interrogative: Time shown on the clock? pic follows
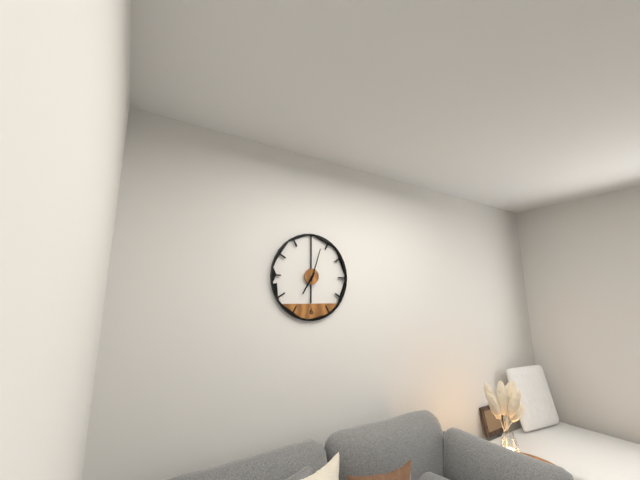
7:03
